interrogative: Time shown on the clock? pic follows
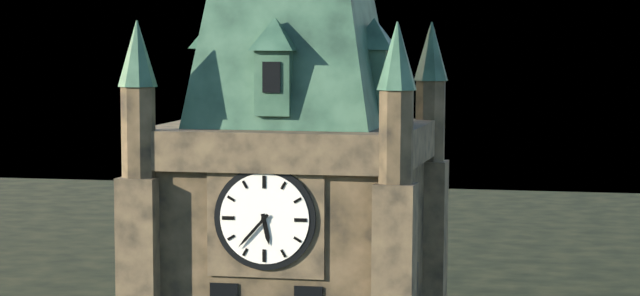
5:37
